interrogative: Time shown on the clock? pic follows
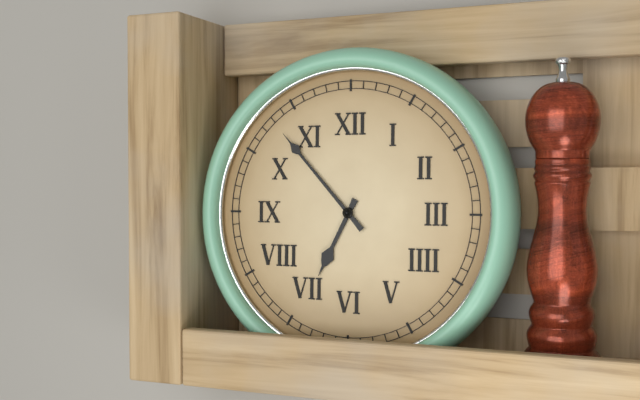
6:53
